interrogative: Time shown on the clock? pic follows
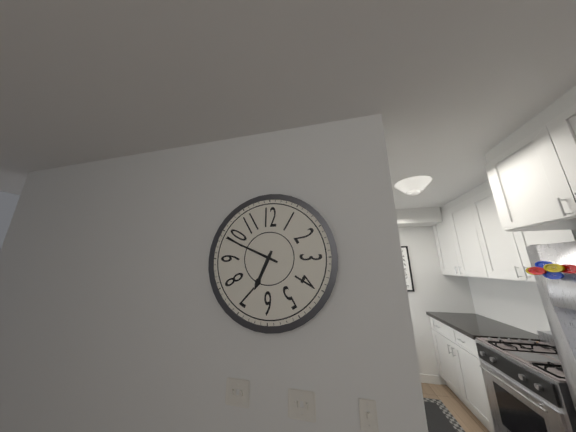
6:49
